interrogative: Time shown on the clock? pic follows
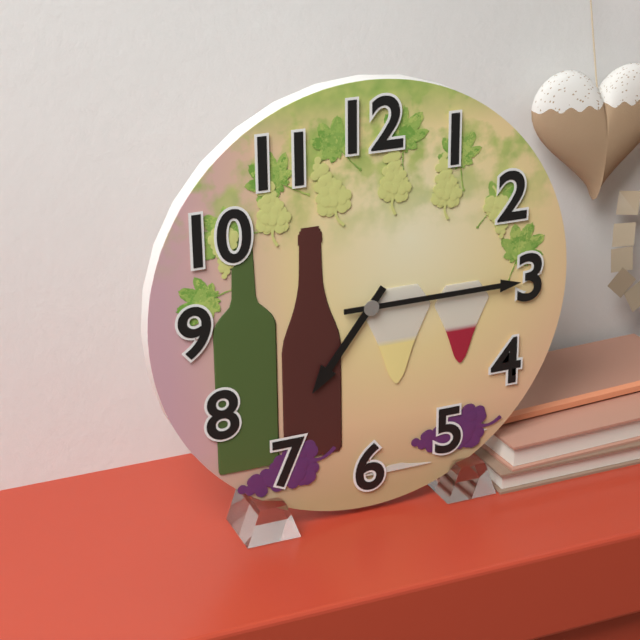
7:15
